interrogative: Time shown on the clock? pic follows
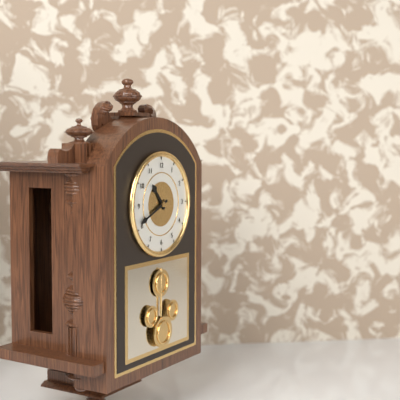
10:41
